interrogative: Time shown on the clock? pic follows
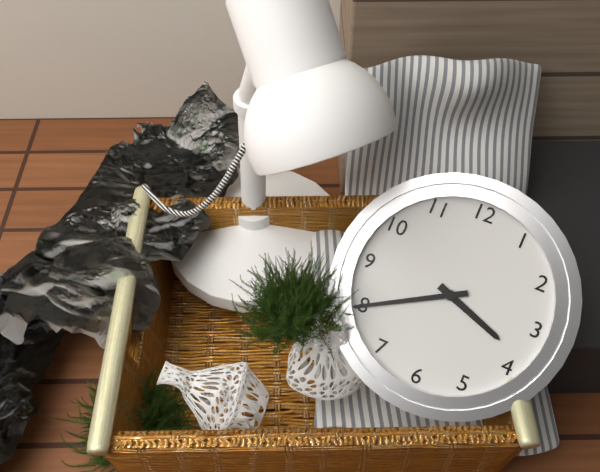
3:40
